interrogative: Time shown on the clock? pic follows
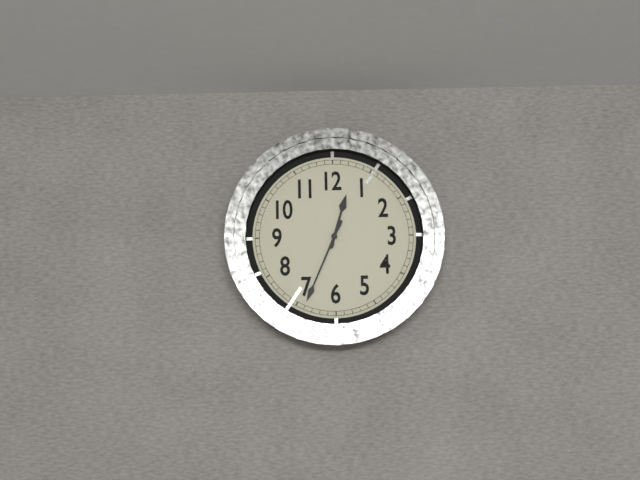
12:34
